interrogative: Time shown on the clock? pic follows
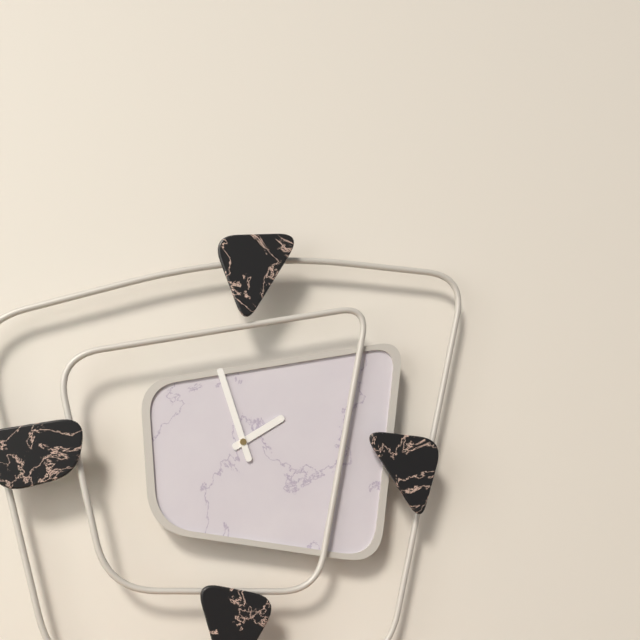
1:57
